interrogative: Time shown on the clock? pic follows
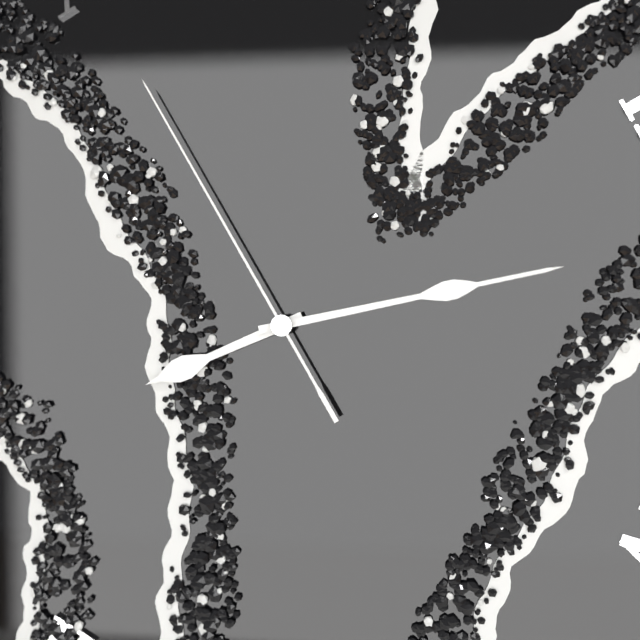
8:13:55
